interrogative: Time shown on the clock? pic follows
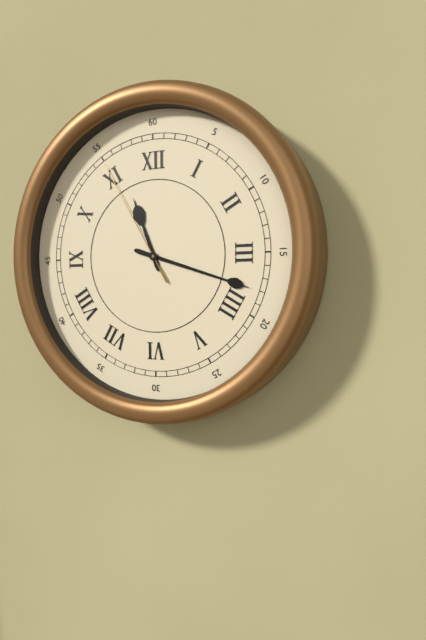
11:18:55
